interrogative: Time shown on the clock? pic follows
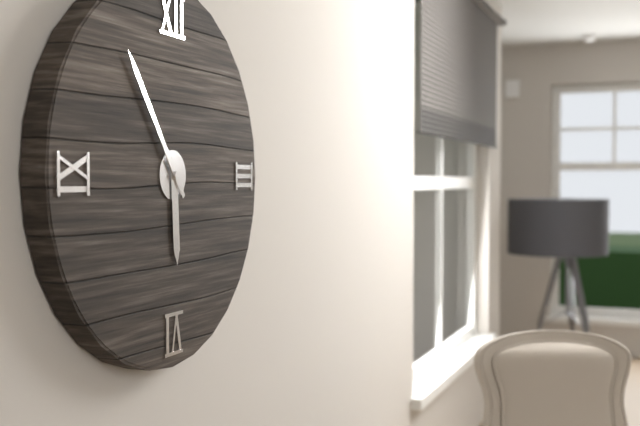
5:54
